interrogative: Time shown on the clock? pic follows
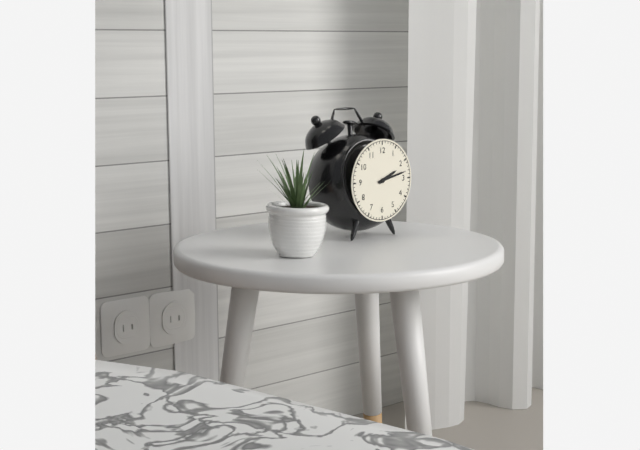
2:13
